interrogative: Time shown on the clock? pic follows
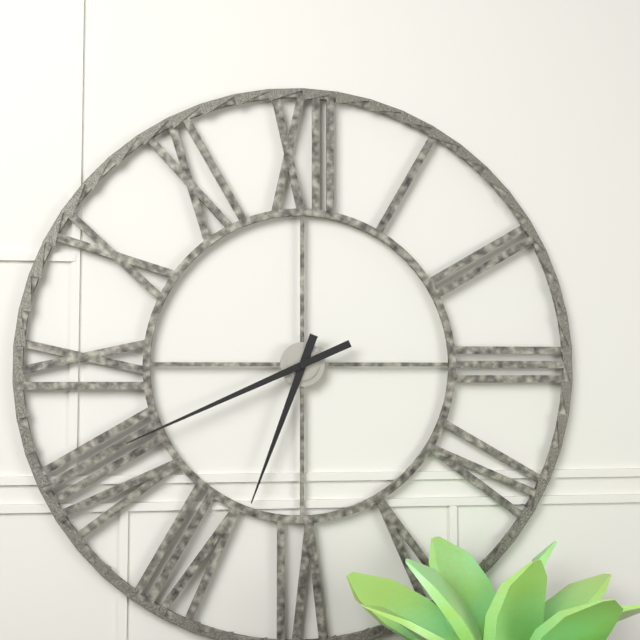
6:41
